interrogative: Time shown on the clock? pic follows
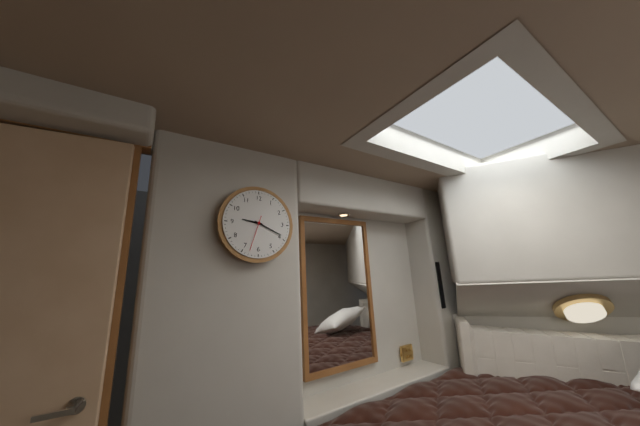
9:19
